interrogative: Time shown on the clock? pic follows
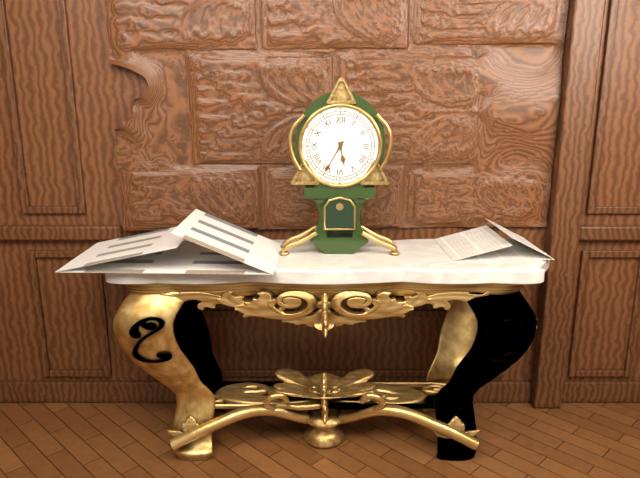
5:35
